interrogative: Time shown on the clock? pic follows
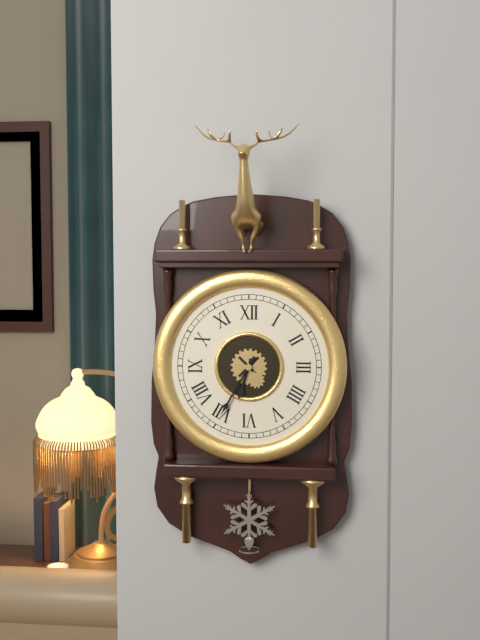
6:35
